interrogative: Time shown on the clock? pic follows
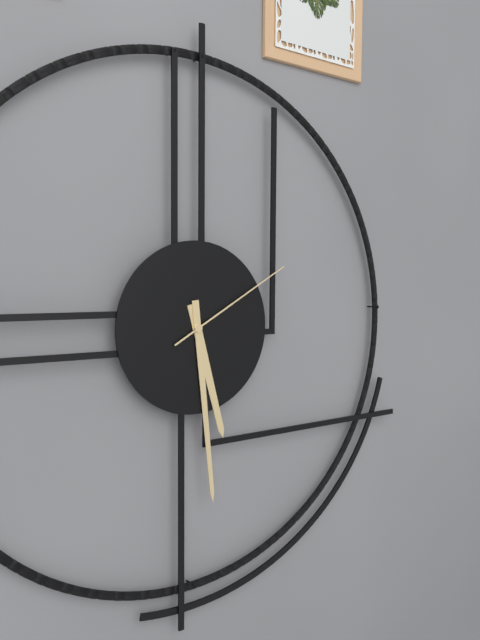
5:29:10
